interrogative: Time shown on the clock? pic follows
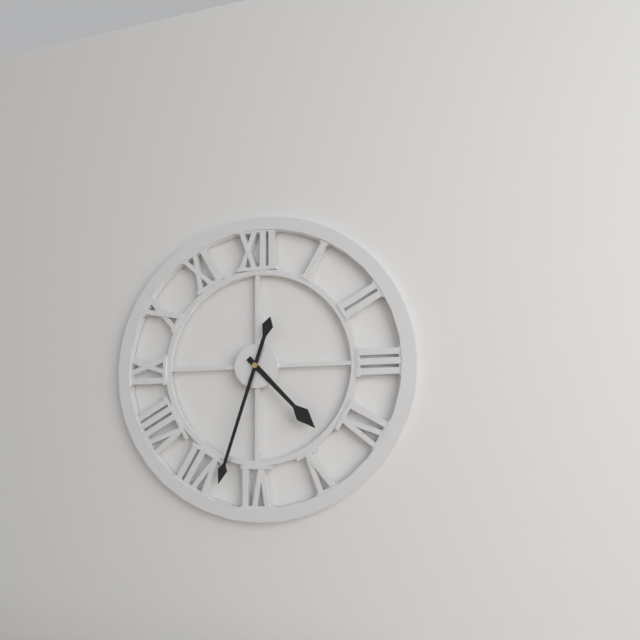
4:33
